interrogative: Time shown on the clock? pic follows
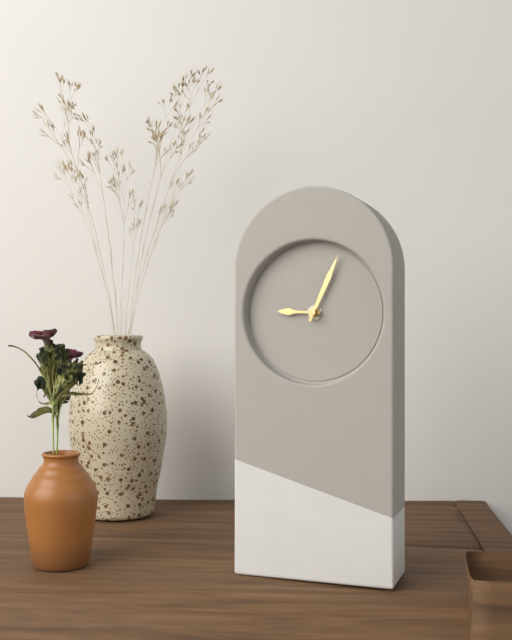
9:04
